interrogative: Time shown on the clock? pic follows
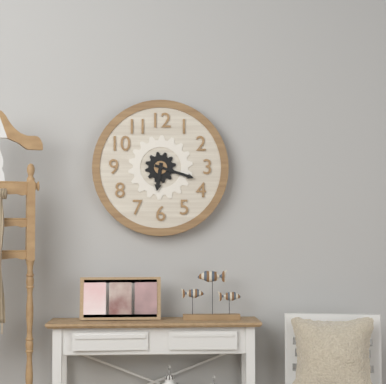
6:18
